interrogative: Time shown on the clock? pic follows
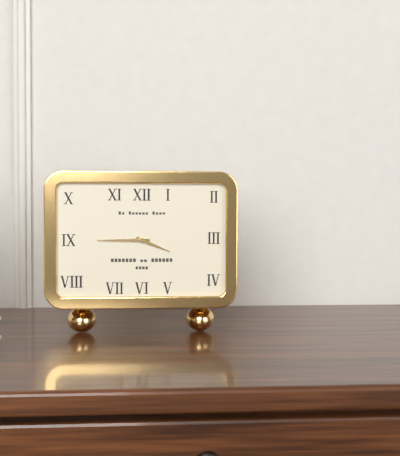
3:45
